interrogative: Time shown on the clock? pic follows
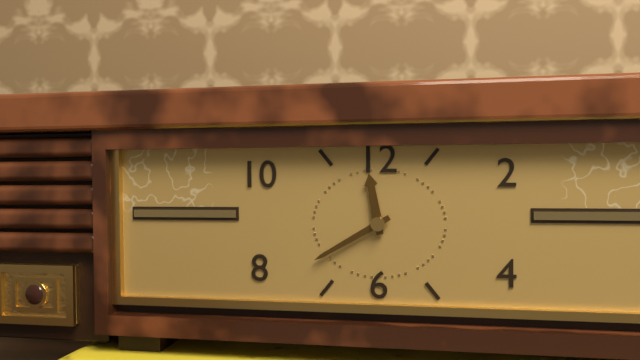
11:40
